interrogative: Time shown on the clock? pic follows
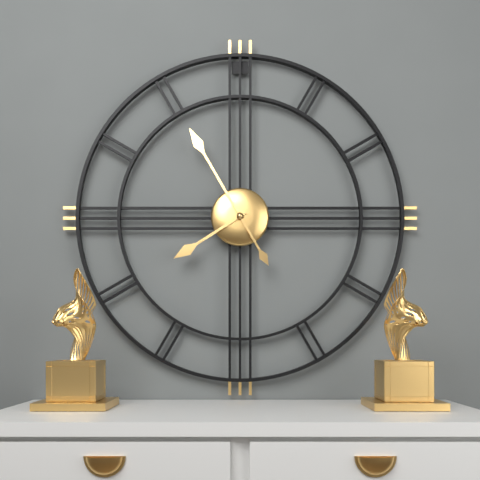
7:55
